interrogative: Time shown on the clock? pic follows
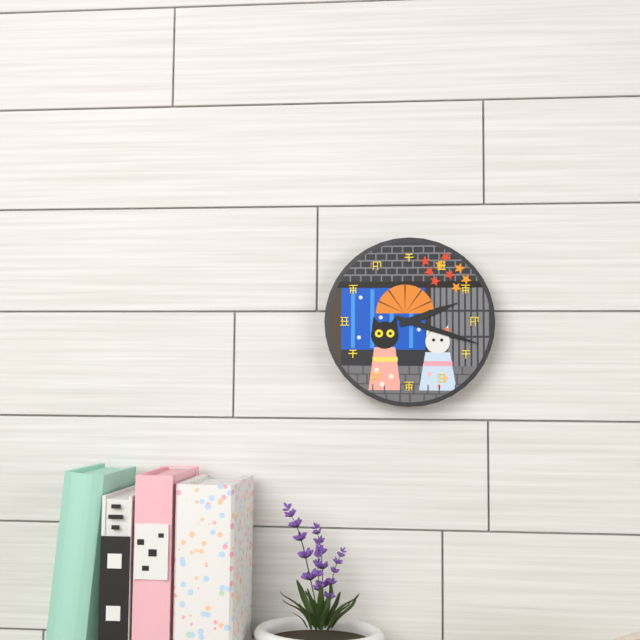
2:18
